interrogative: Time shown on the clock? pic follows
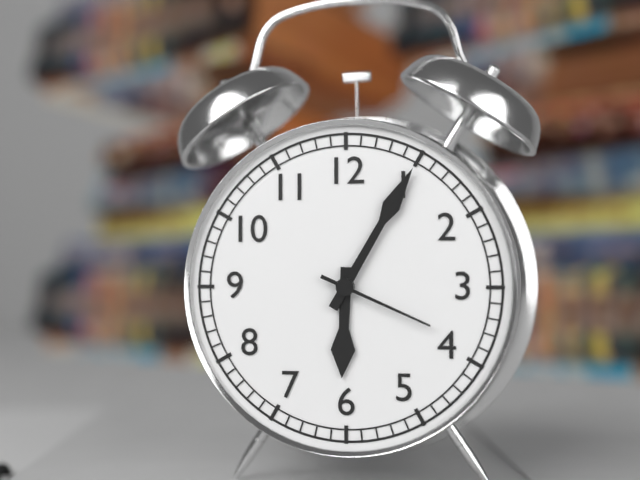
6:05:19
